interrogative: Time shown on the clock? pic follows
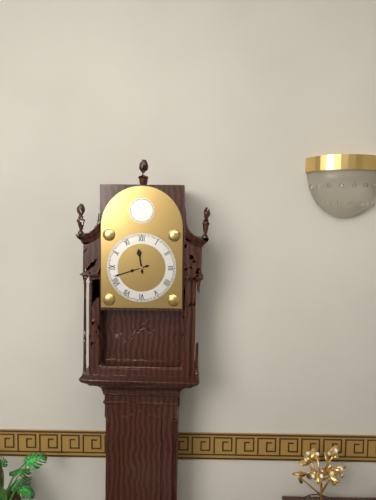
11:42
